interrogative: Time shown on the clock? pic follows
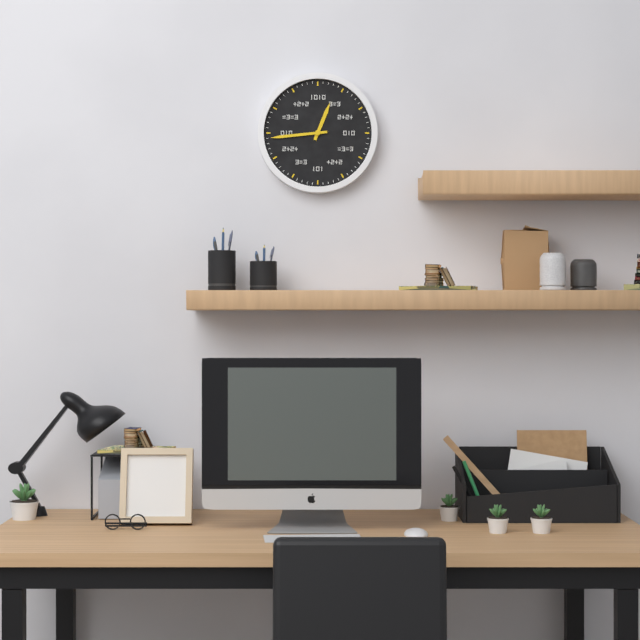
12:44
